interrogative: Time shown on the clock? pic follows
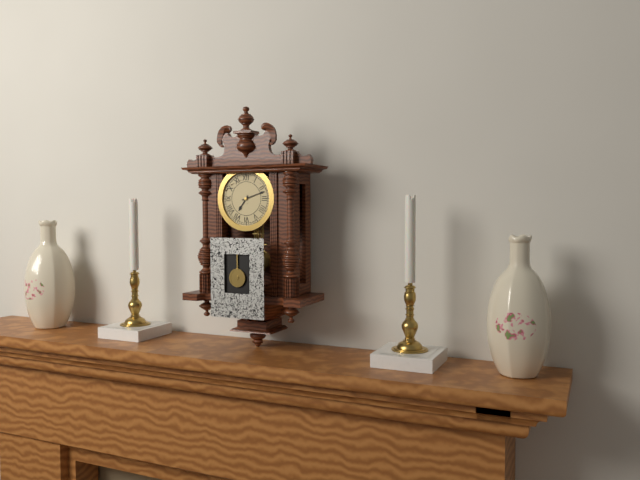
7:12
